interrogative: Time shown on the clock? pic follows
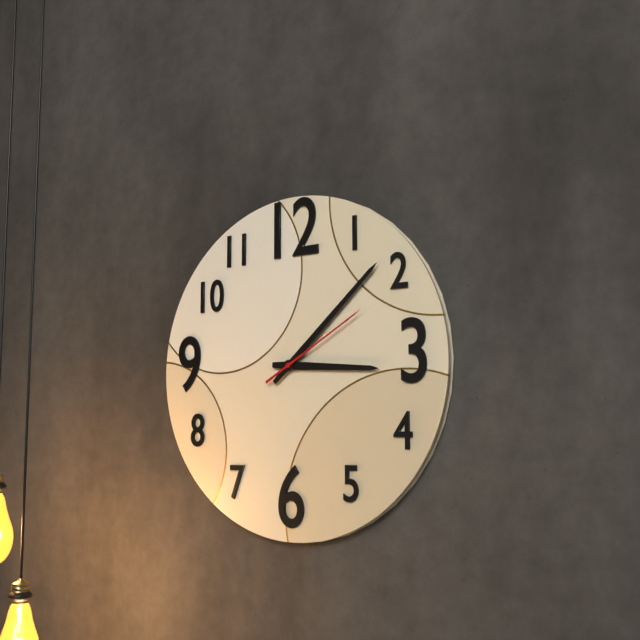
3:08:10
